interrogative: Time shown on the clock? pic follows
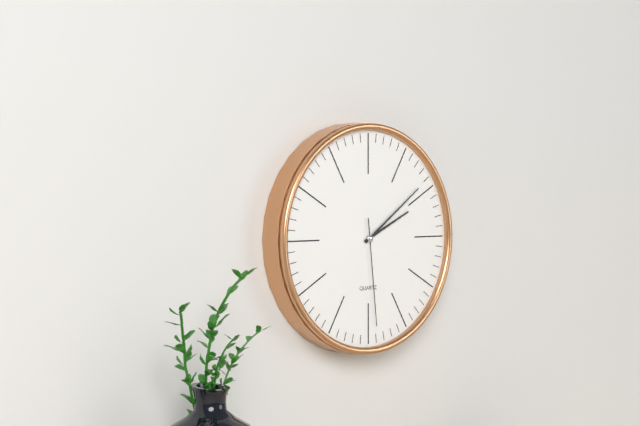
2:09:29
